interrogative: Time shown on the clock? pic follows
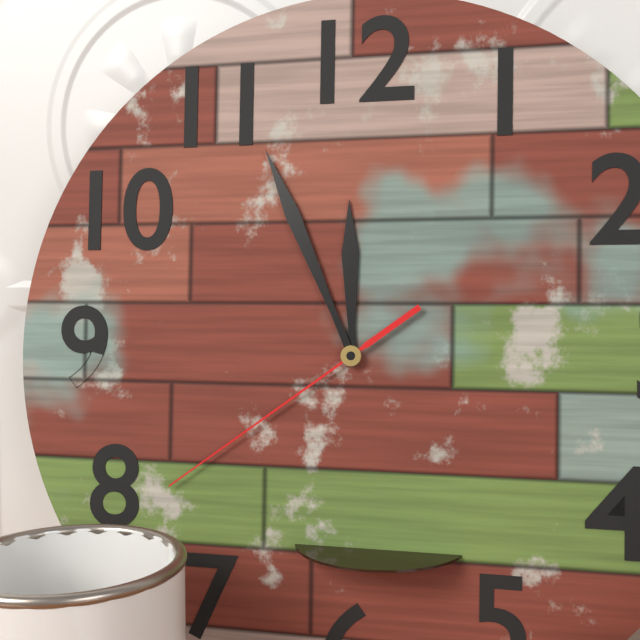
11:56:39
